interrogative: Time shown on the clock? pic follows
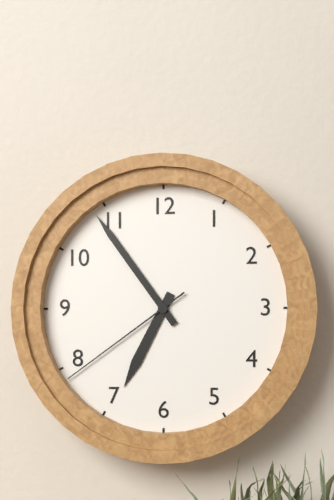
6:54:39
